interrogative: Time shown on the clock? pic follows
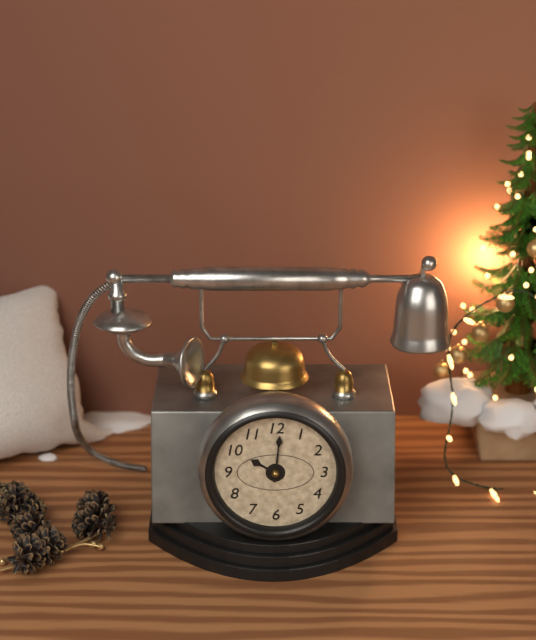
10:01
